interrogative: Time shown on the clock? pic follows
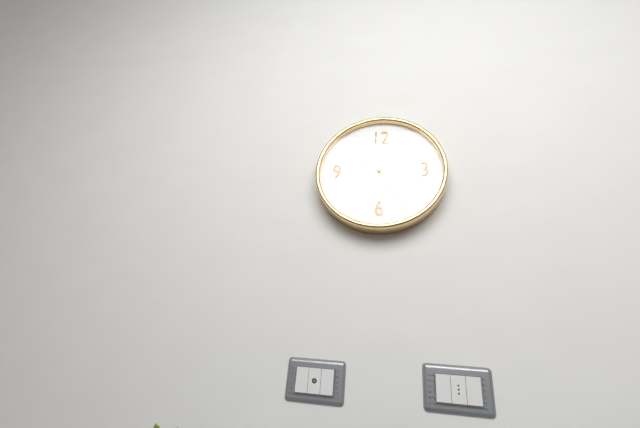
10:25
